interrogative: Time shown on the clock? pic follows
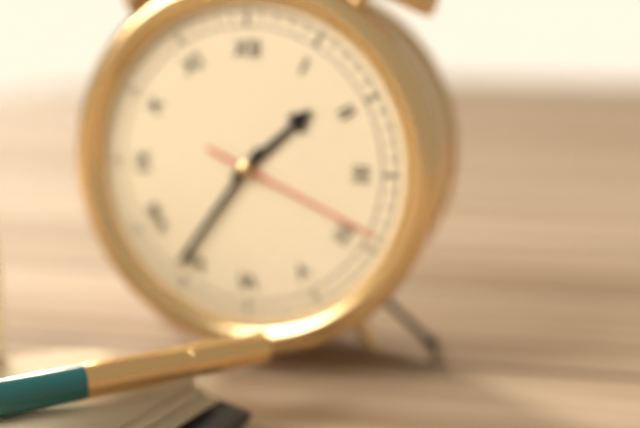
1:36:19
